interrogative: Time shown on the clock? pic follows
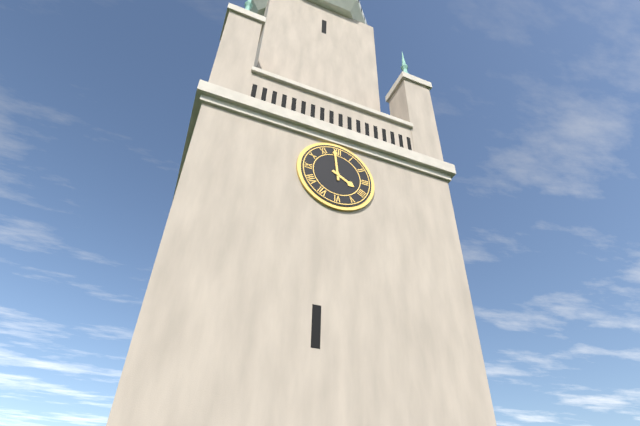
3:59
